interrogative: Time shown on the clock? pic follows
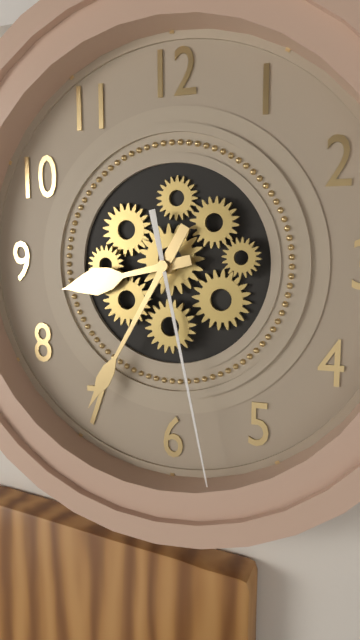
8:35:28
